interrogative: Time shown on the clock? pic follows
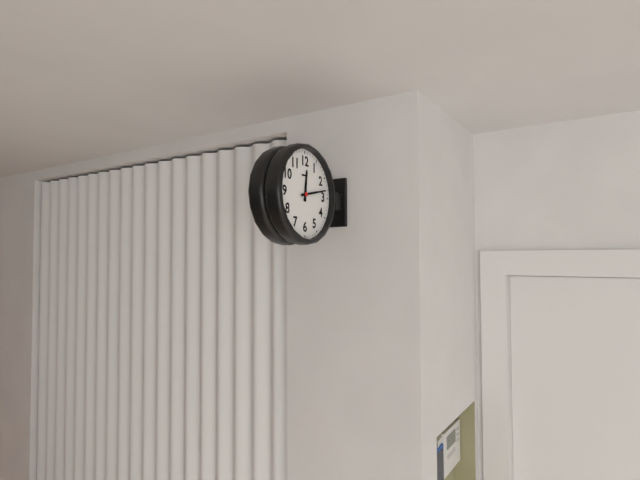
12:13
